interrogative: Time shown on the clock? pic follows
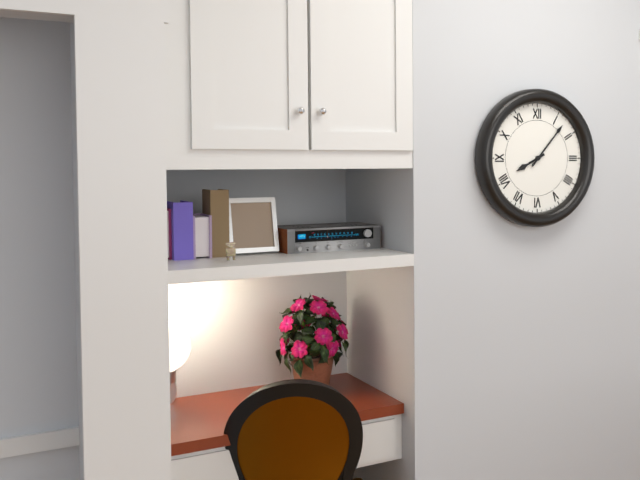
8:07
